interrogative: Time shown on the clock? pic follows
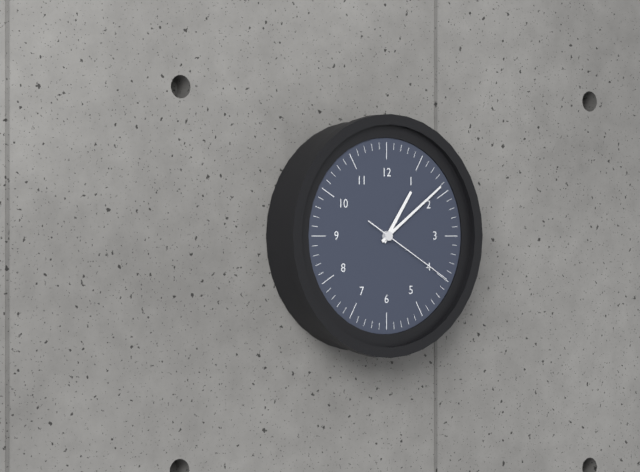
1:09:20
